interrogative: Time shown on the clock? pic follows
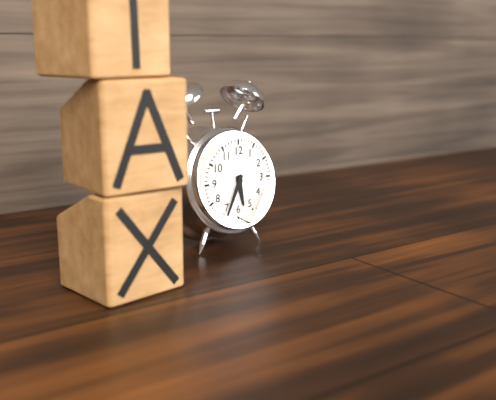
5:34
